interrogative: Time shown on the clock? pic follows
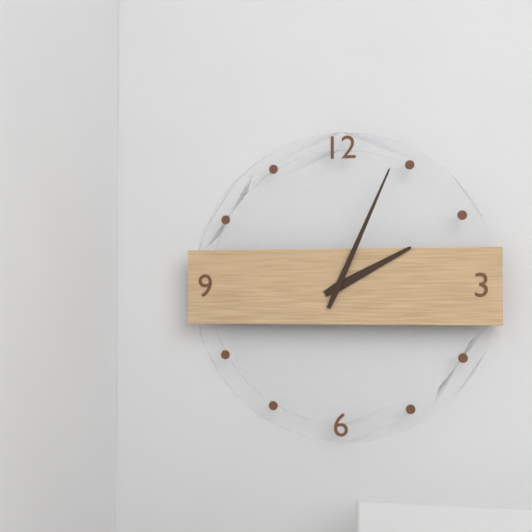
2:04
